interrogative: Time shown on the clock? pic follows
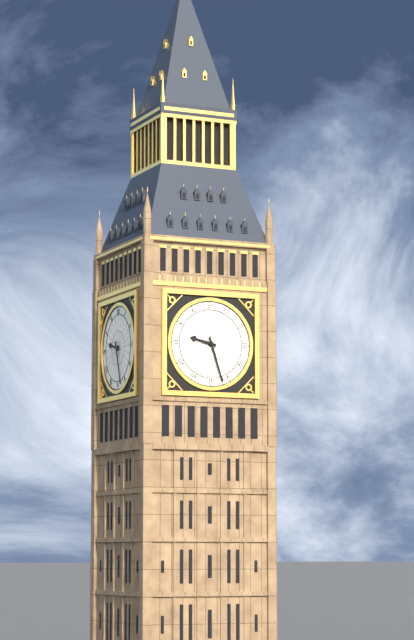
9:27
